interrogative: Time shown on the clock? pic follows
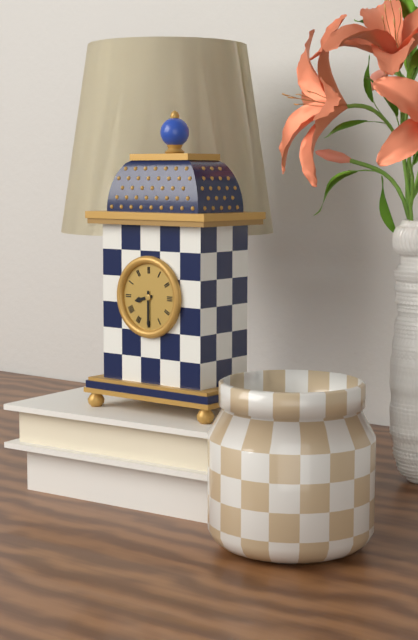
8:30
